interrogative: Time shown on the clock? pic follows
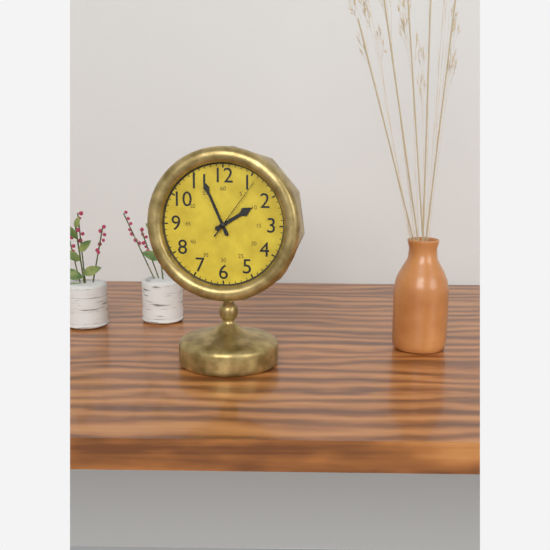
1:56:06
